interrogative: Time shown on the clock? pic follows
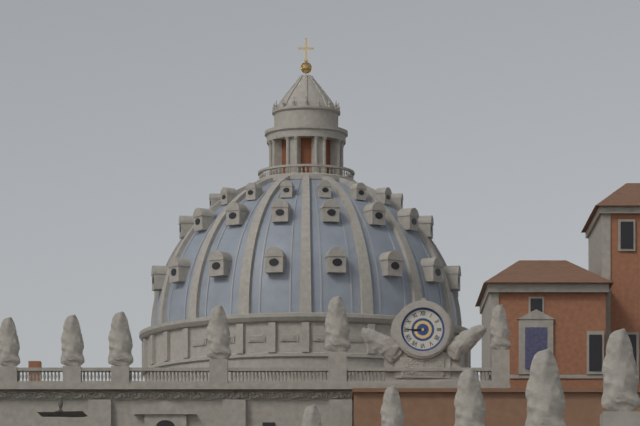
8:45
